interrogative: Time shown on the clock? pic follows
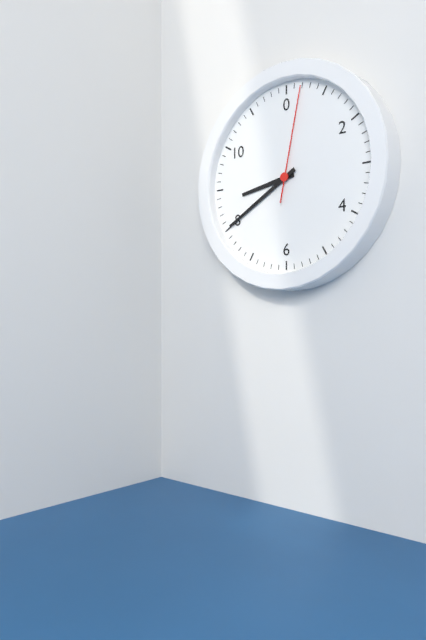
8:40:02
